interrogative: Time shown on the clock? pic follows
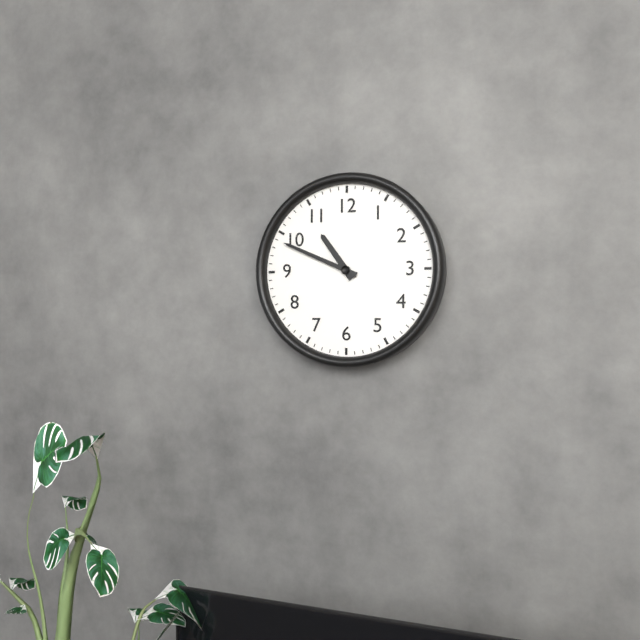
10:49
